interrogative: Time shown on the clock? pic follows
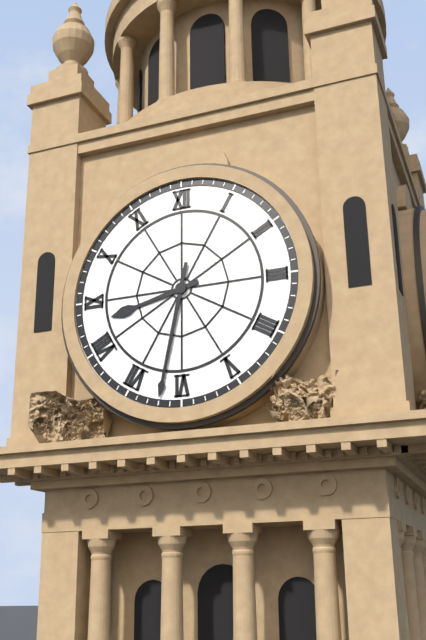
8:32
